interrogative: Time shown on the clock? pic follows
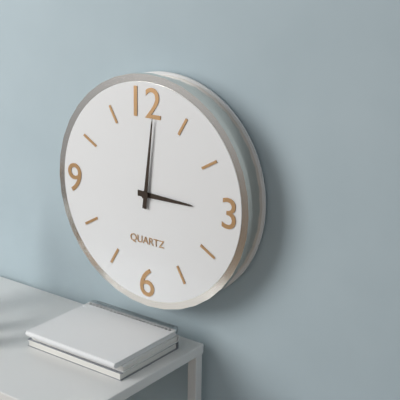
3:01
